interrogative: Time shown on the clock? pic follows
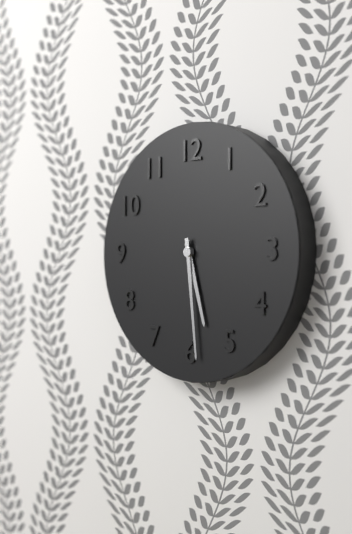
5:29
